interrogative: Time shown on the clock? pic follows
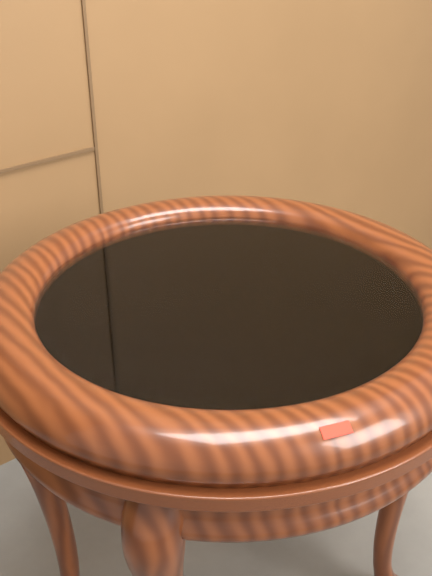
3:15
